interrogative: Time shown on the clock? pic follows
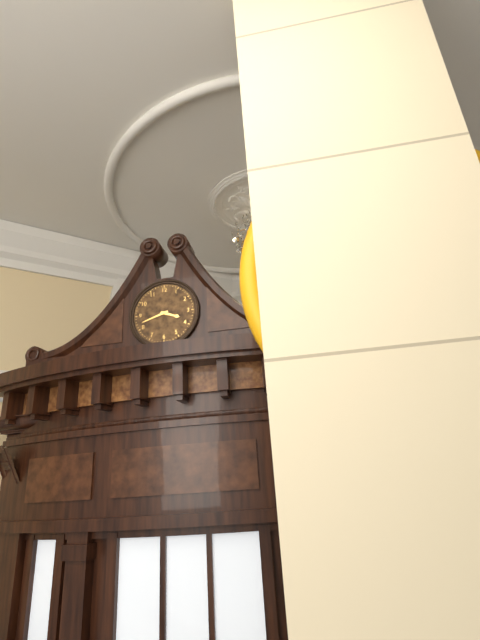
3:42
